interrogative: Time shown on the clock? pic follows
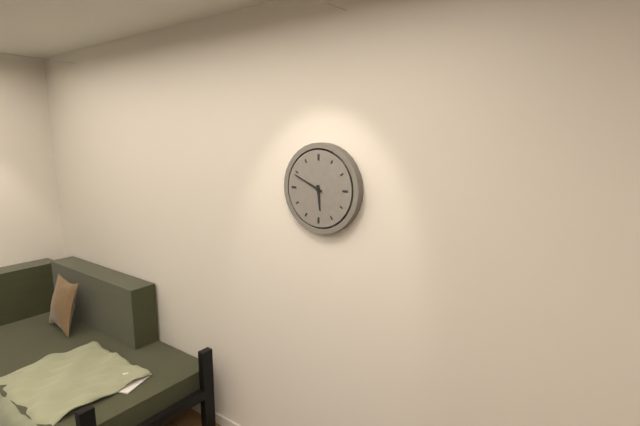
5:49
